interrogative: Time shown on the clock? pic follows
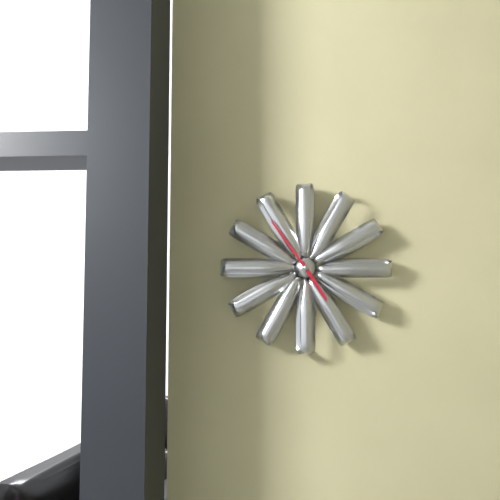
4:54
